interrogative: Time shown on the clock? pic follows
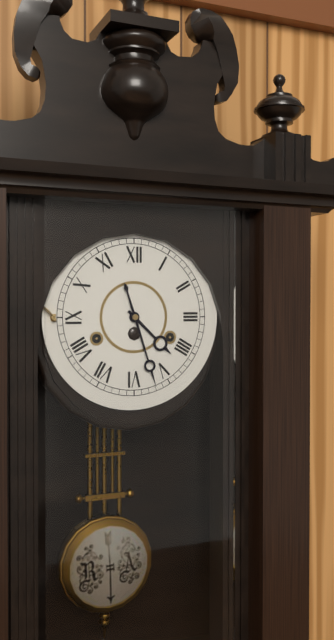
4:27
